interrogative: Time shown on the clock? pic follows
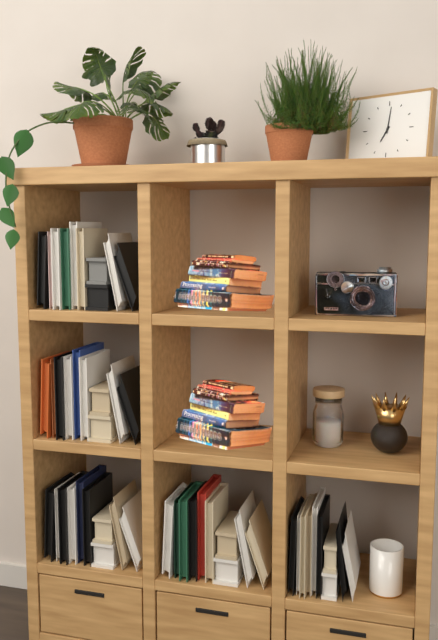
7:01
